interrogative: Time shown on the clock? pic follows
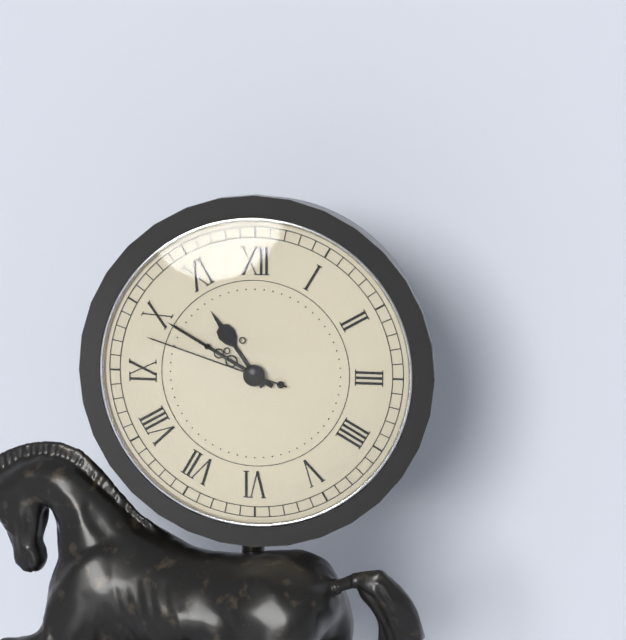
10:50:48
